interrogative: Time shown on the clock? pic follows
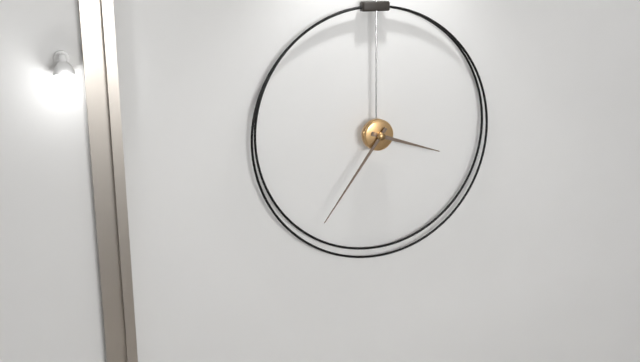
3:36
